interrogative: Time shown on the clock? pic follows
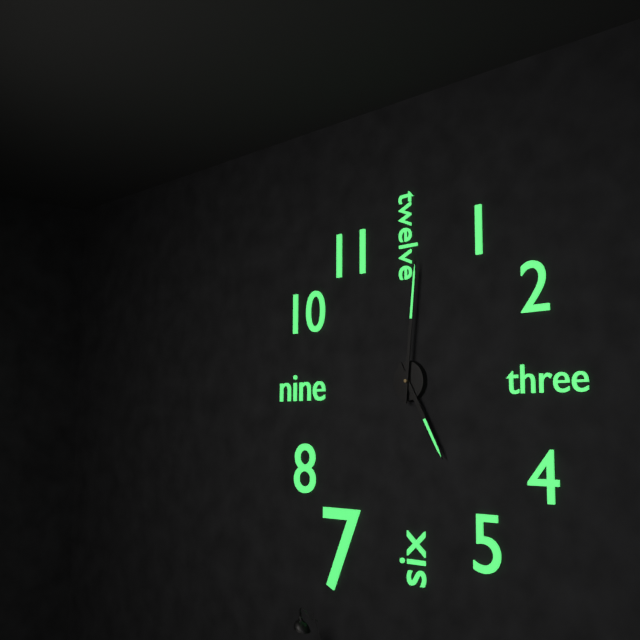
5:01
